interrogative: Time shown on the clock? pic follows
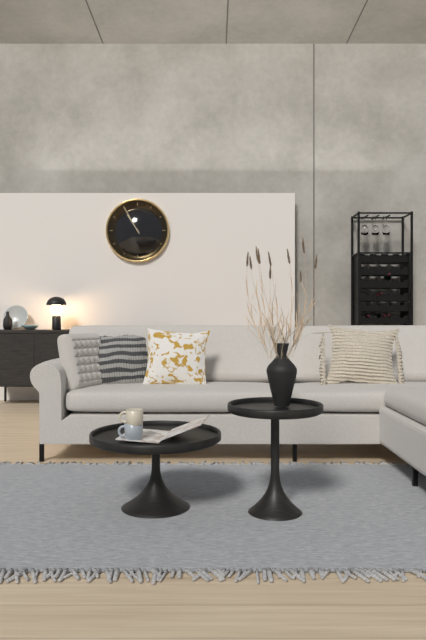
10:55
